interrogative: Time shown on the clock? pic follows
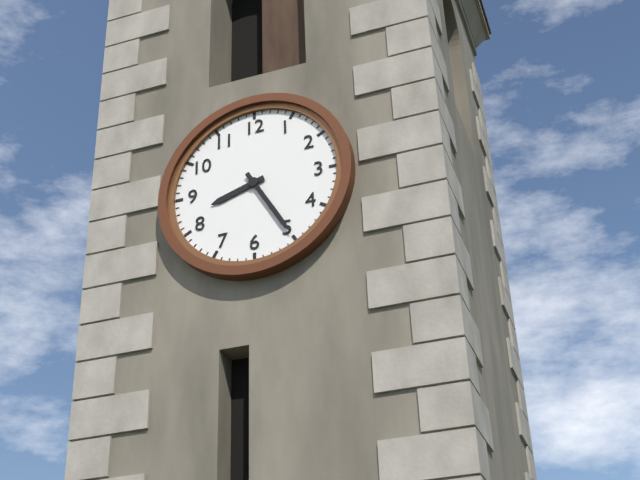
8:25
